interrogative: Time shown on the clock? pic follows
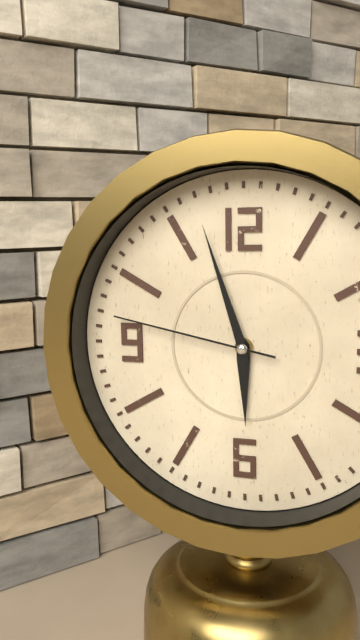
5:57:47
